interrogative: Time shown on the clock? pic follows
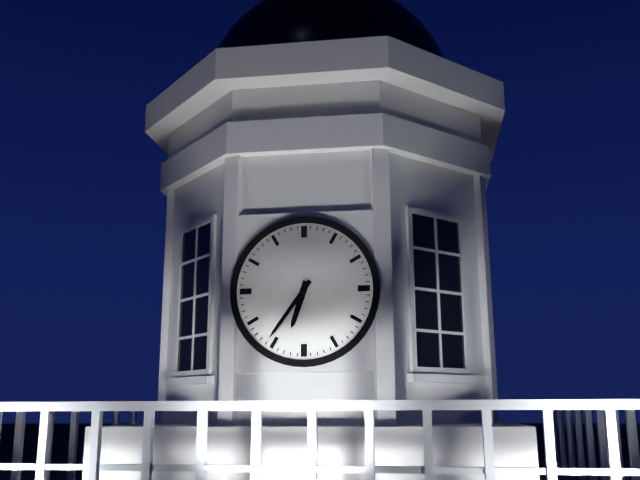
6:36
